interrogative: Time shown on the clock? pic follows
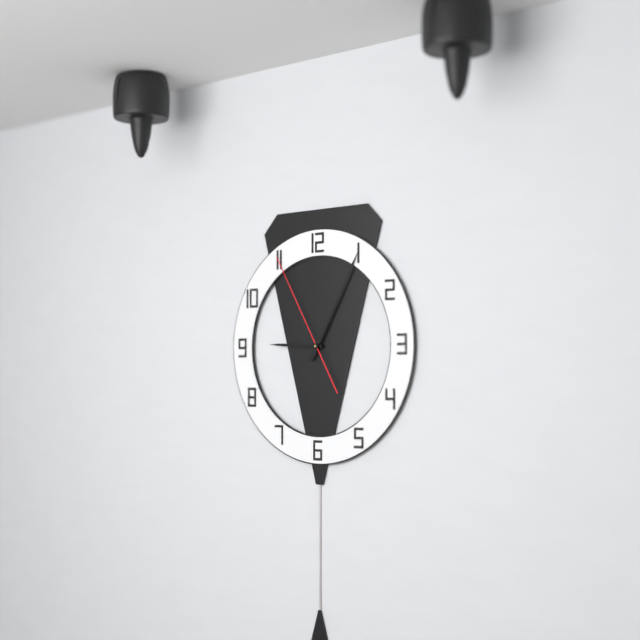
9:05:55
